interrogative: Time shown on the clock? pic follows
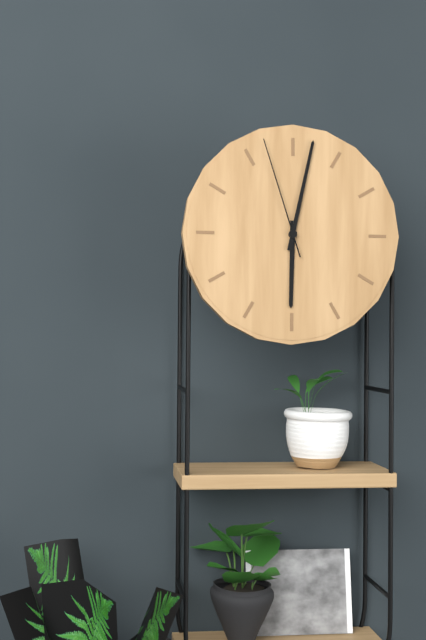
6:02:57
